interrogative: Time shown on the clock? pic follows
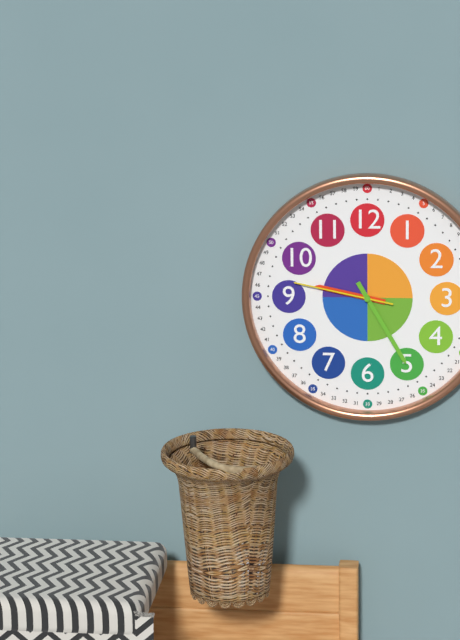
9:25:47
